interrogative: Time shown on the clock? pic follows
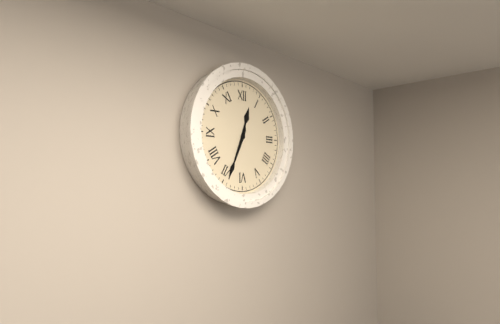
12:34
